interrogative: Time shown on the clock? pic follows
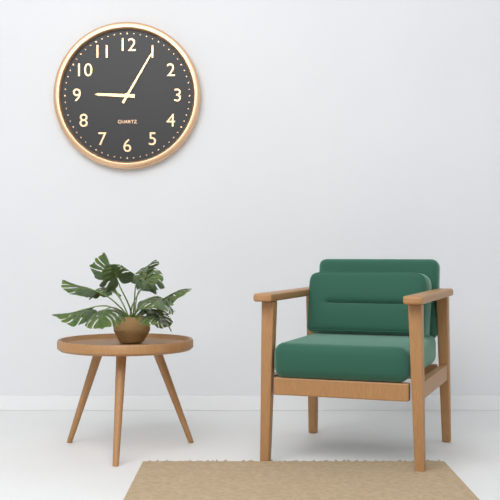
9:05
